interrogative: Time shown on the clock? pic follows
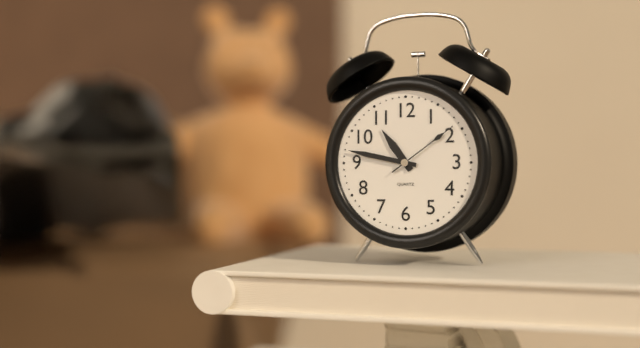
10:47:09
